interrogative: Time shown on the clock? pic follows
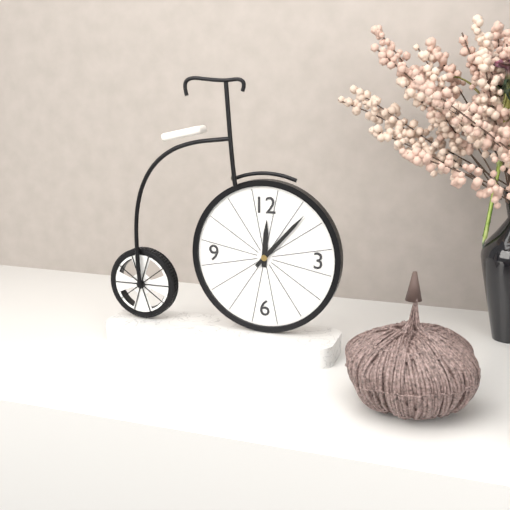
12:07
